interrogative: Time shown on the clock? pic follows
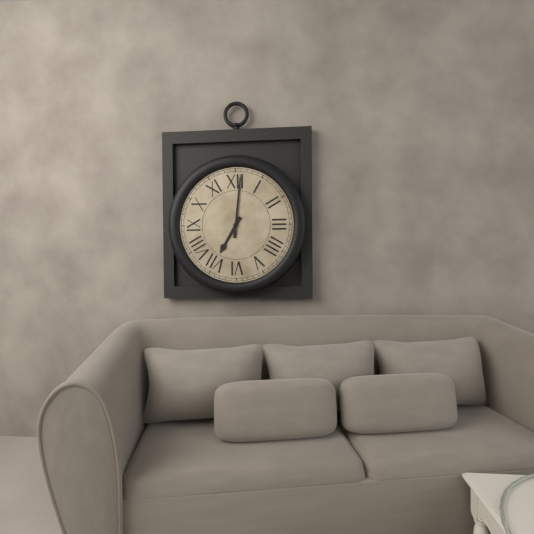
7:01
